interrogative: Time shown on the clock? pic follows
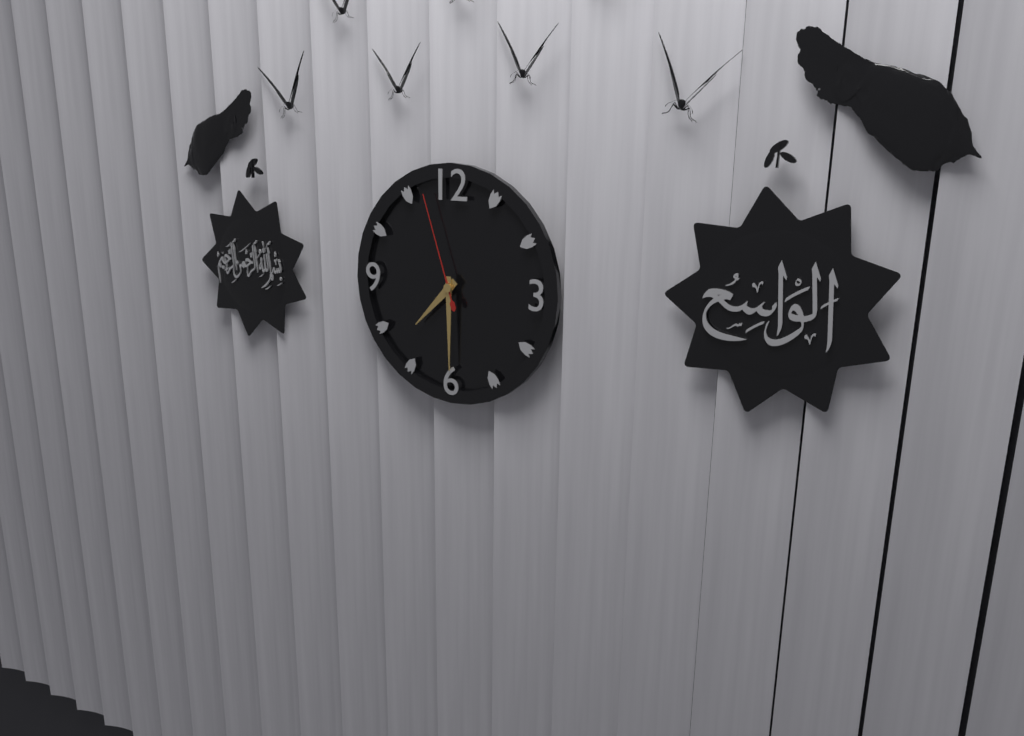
7:30:57
